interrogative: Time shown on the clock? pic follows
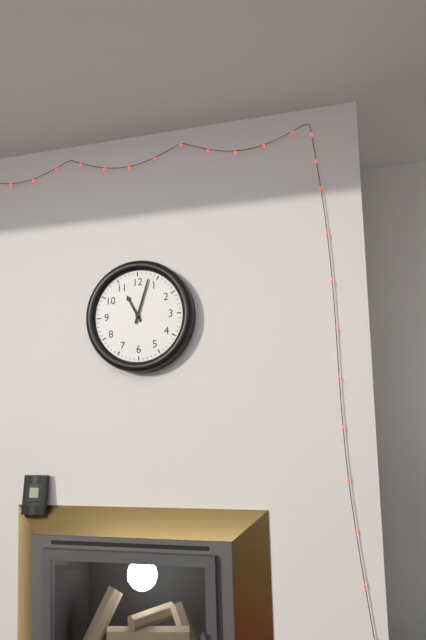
11:03
